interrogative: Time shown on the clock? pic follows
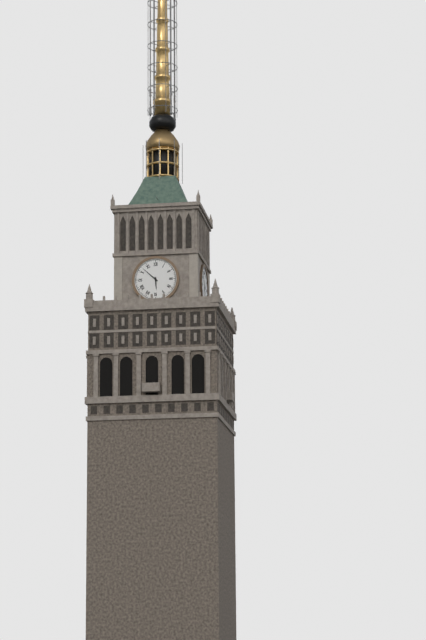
5:52
